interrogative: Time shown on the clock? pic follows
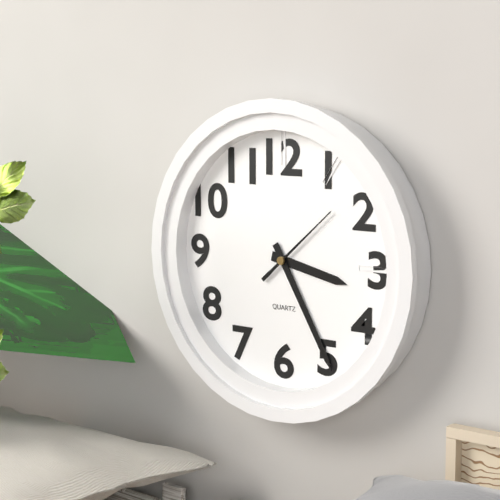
3:25:08
